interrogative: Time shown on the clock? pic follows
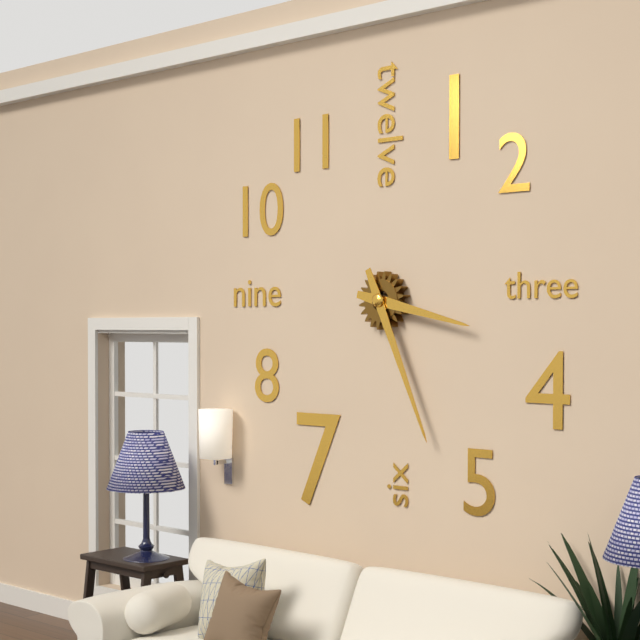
3:26
